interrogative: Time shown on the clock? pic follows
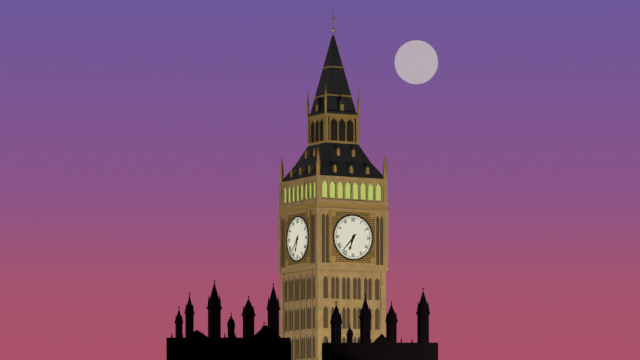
6:37
